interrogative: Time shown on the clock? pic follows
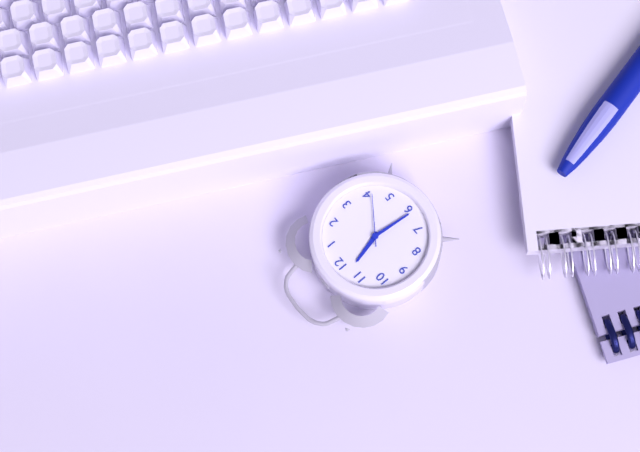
11:31:21
